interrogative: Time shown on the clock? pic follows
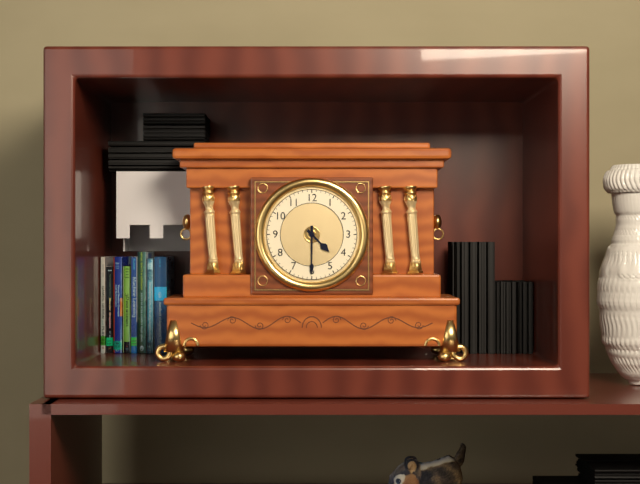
4:30
